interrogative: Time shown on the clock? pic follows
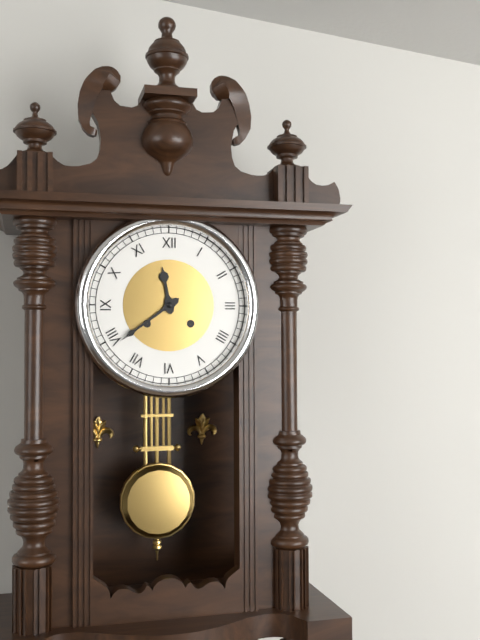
11:39
